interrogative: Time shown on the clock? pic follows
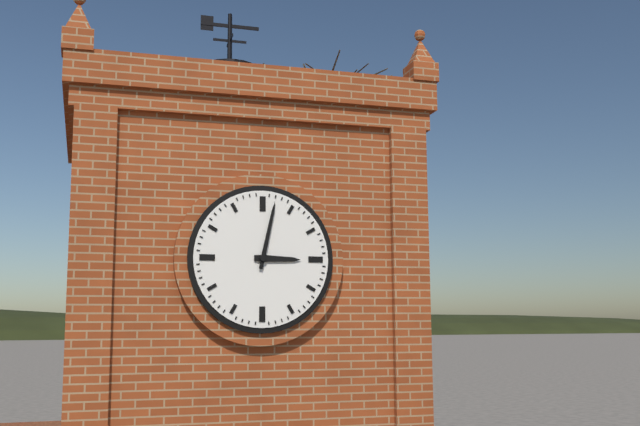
3:02
